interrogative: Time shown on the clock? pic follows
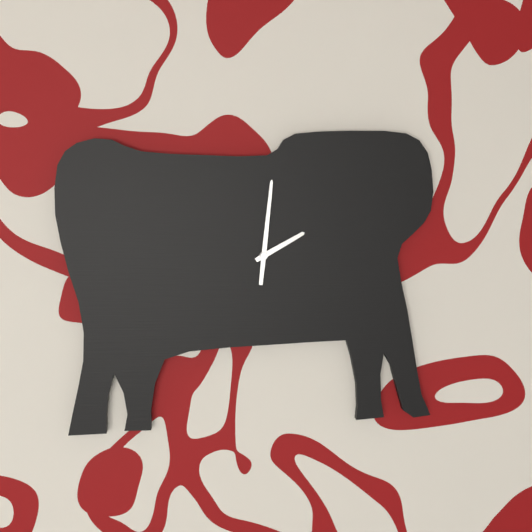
2:01
